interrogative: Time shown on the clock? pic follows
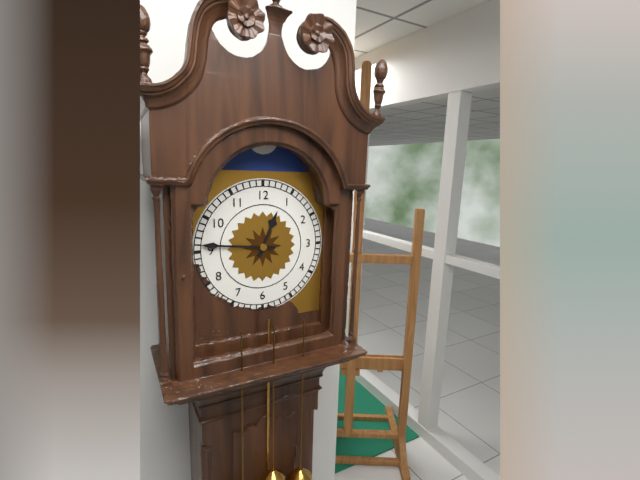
12:46
